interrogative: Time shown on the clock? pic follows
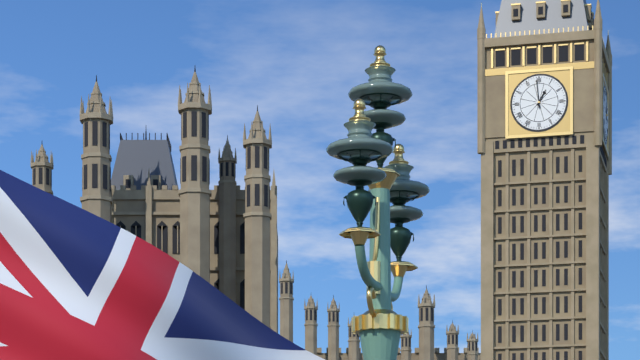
12:59
